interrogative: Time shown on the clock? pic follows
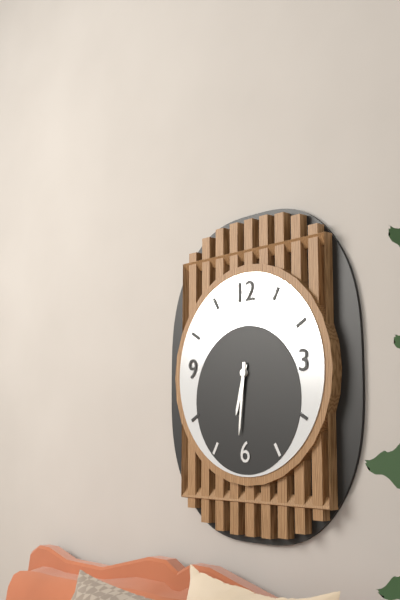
6:31
